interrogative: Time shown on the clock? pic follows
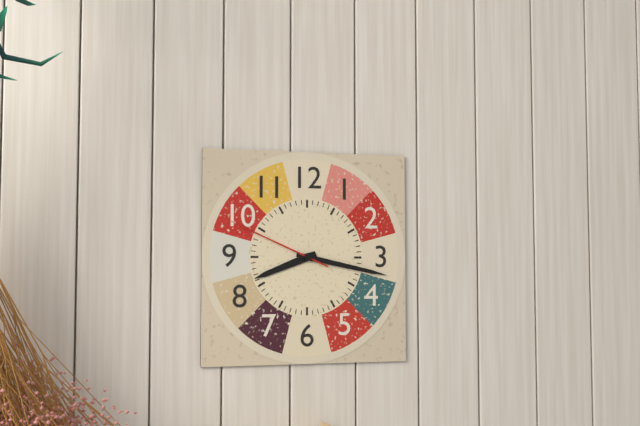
8:17:49
